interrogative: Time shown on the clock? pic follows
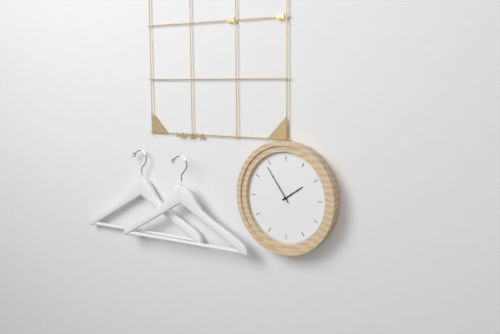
1:54
